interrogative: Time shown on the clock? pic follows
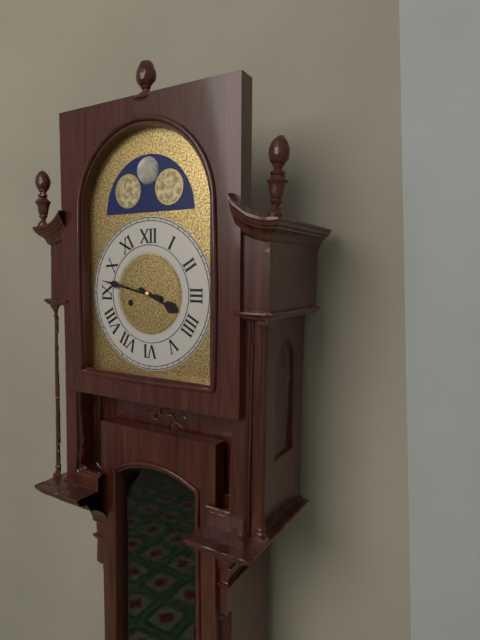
3:47
